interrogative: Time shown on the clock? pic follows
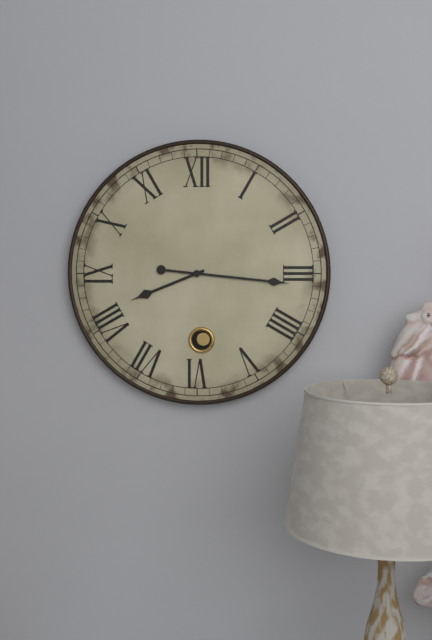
8:16
